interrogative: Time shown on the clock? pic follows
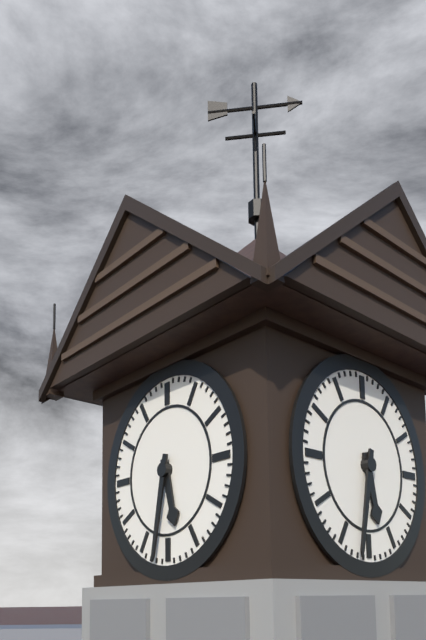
5:32
